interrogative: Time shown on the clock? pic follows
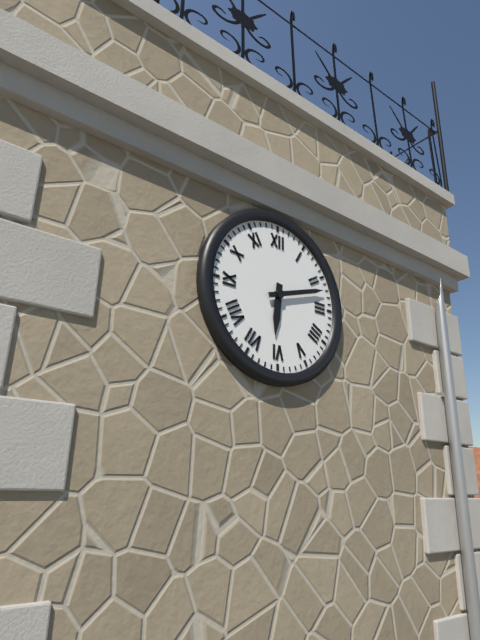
6:12
